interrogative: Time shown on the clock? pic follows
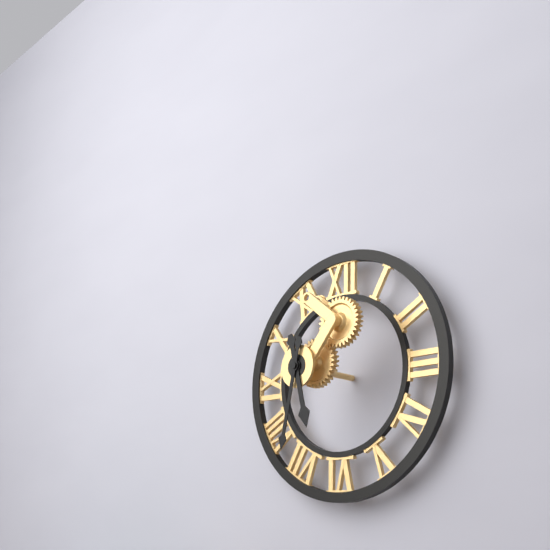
5:32
